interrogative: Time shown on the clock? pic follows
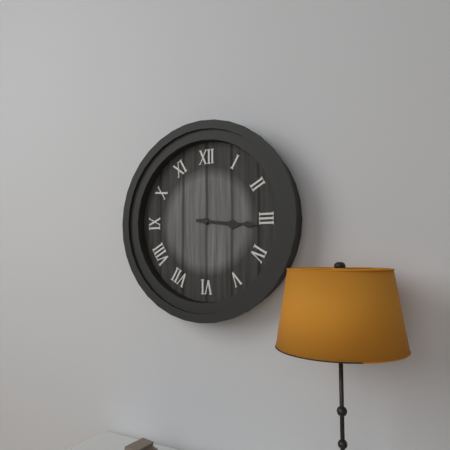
3:16
